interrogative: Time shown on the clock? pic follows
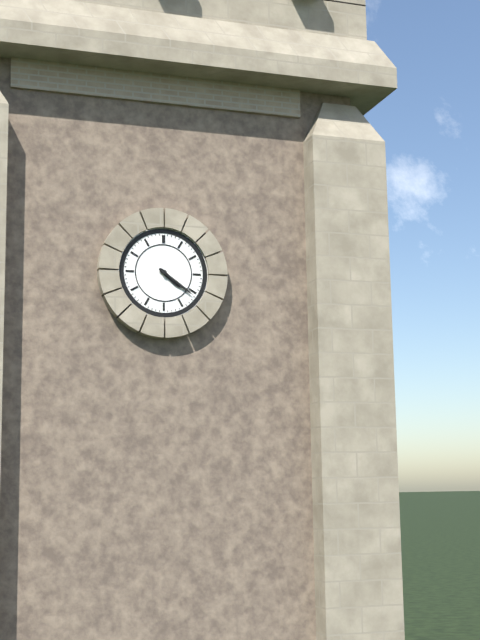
4:21
